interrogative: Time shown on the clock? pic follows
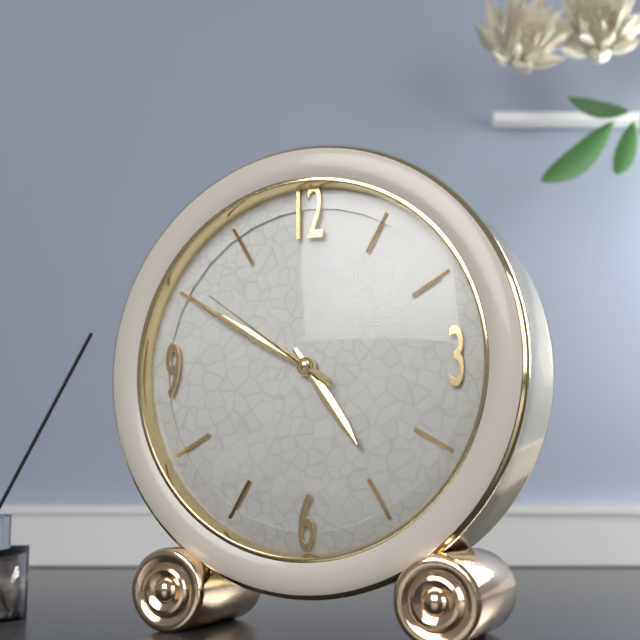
4:50:51
